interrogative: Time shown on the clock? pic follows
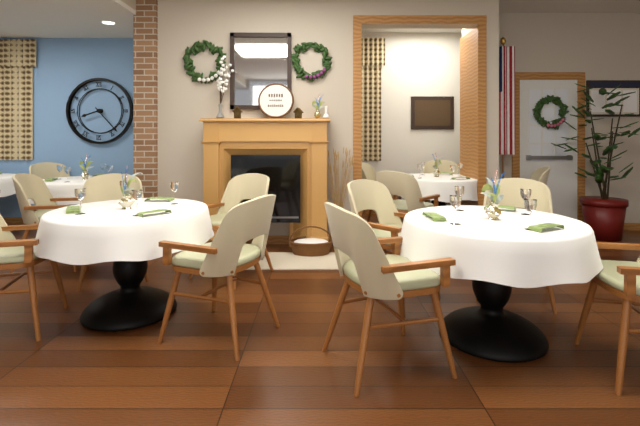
8:23
